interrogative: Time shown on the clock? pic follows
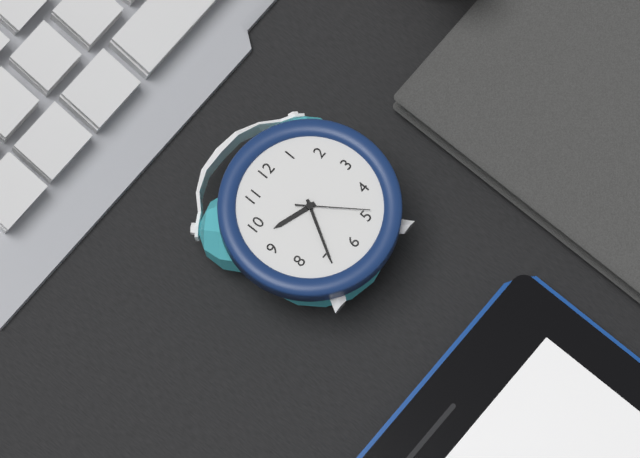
9:35:24
